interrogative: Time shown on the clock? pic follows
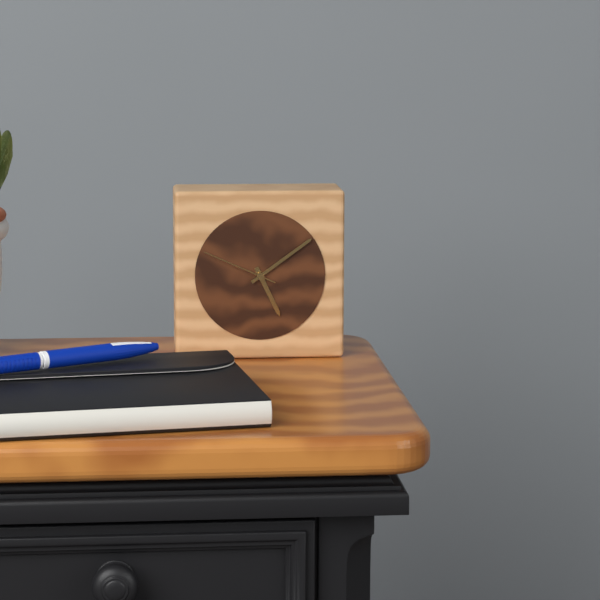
5:09:49
